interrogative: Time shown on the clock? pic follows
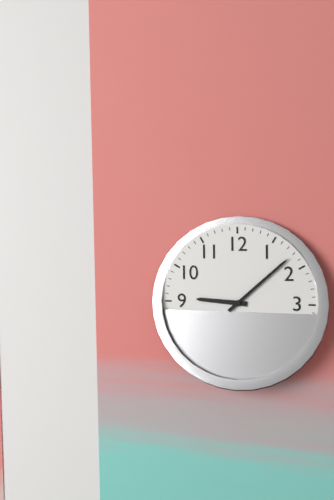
9:08
